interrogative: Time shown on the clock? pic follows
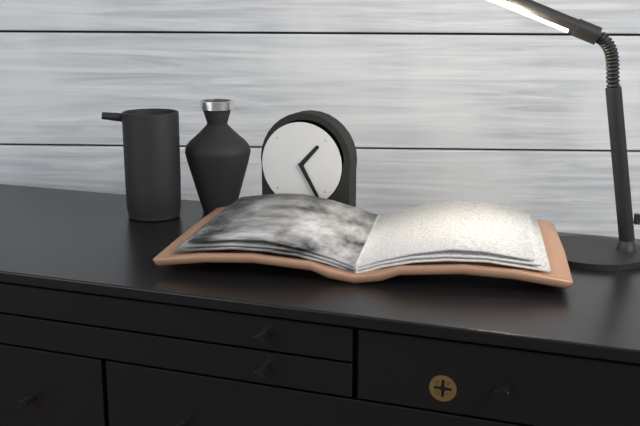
1:25
